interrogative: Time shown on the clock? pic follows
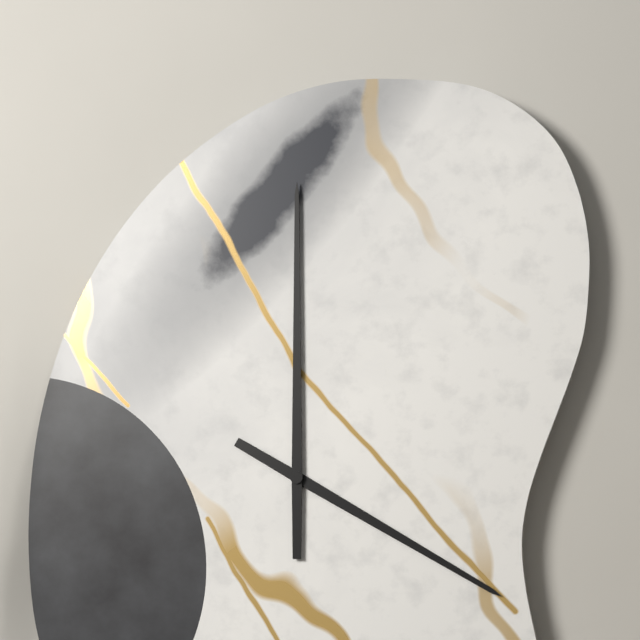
4:00
